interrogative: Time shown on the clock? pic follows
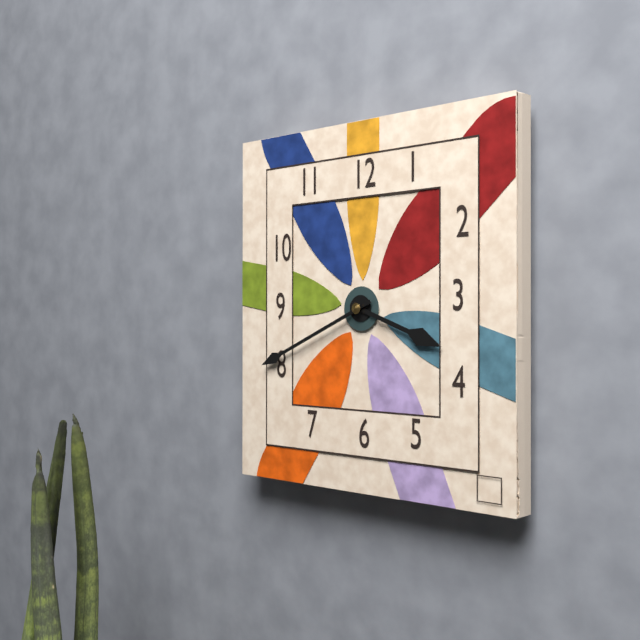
3:41
